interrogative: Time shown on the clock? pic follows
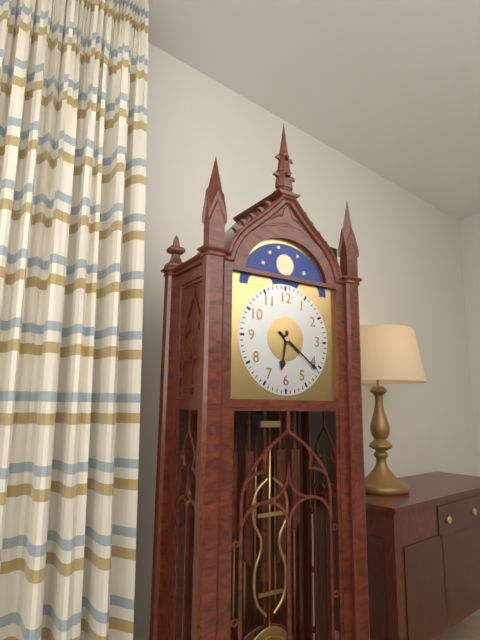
6:21
